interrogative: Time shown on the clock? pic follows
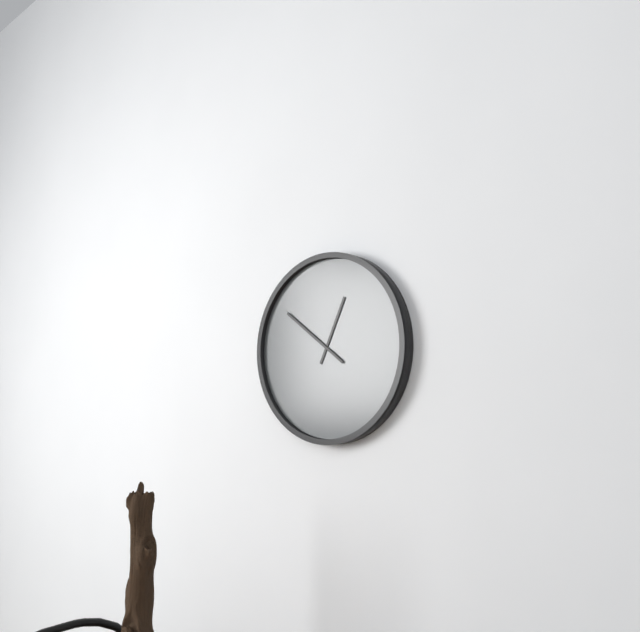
12:51
